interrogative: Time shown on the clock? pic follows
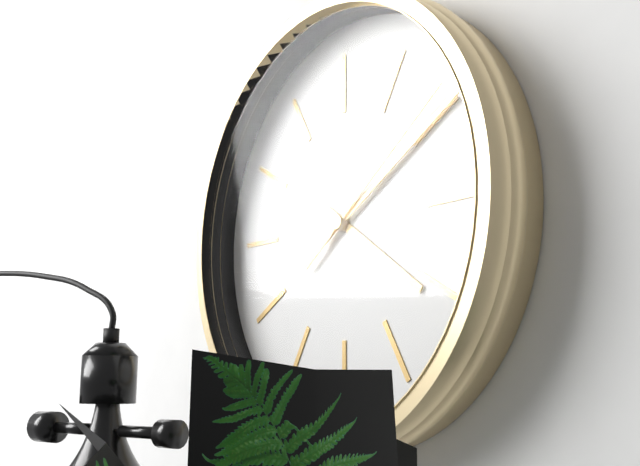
4:10:09
